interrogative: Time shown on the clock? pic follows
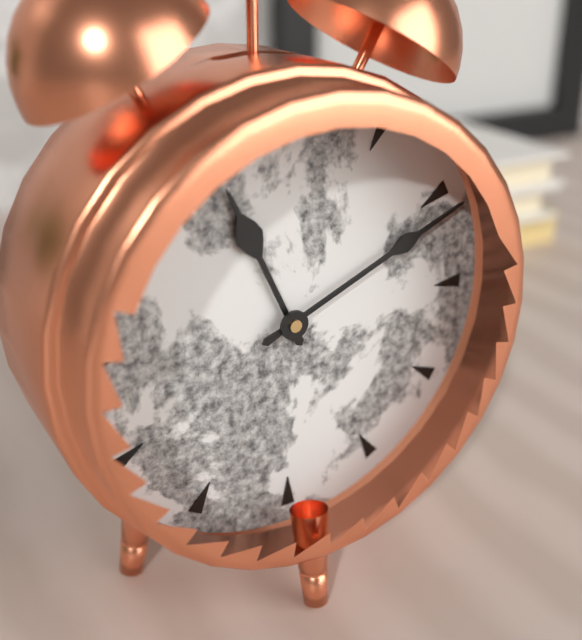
11:11
